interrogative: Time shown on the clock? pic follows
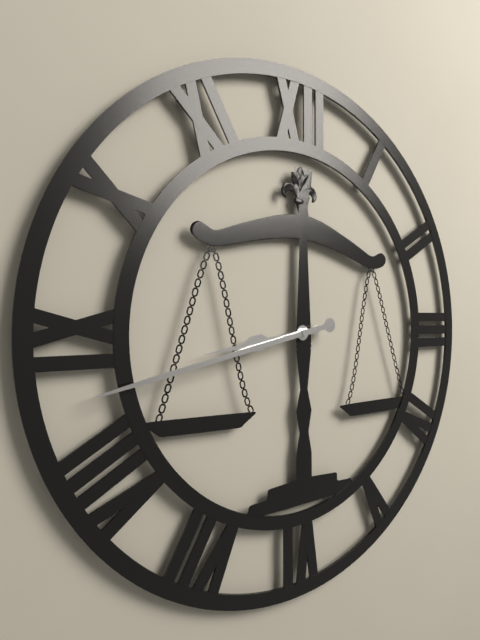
8:43
